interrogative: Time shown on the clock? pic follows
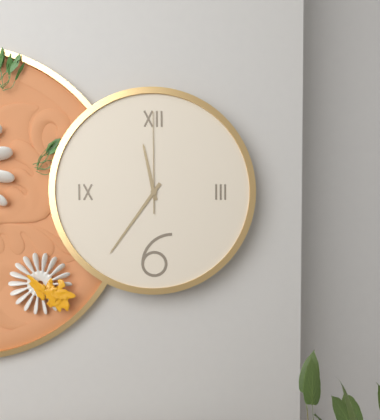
11:36:00
